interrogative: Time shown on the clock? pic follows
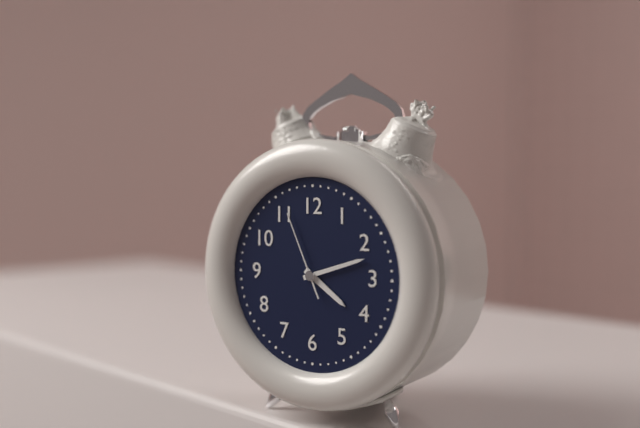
4:12:56
